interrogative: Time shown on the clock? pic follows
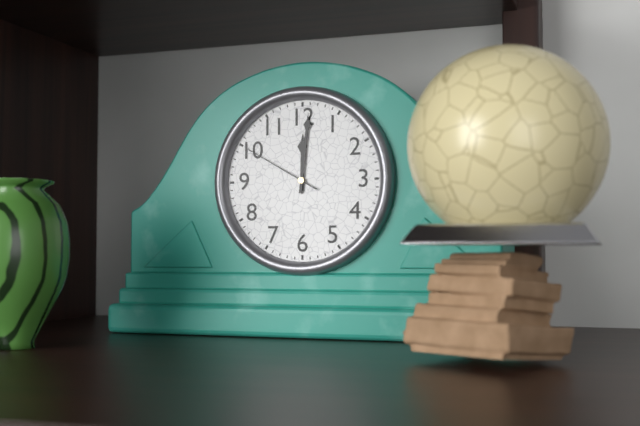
12:01:50
